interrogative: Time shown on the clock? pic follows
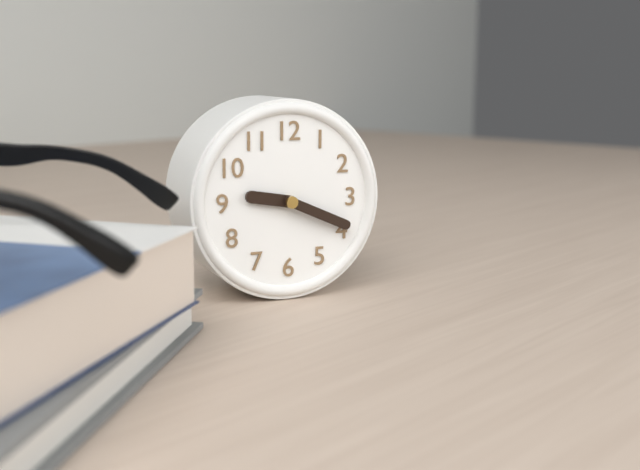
9:19
